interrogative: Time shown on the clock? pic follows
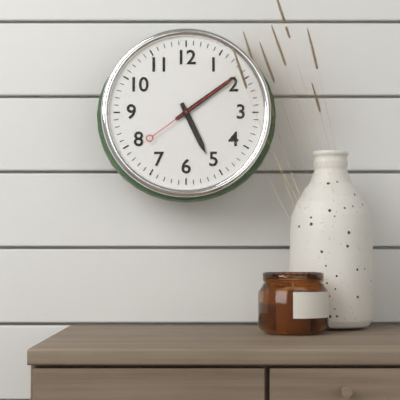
5:09:09
